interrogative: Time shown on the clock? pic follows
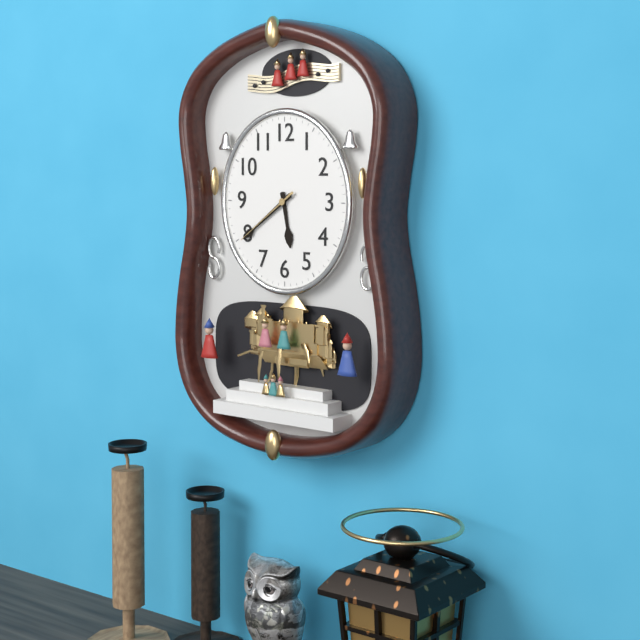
5:39:39
